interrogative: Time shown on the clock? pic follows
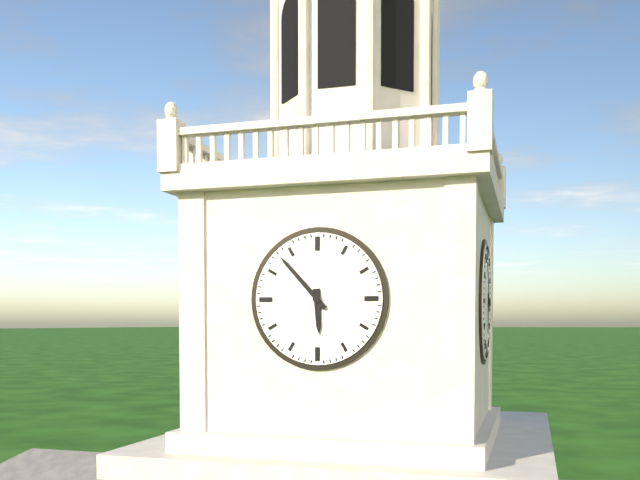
5:53
